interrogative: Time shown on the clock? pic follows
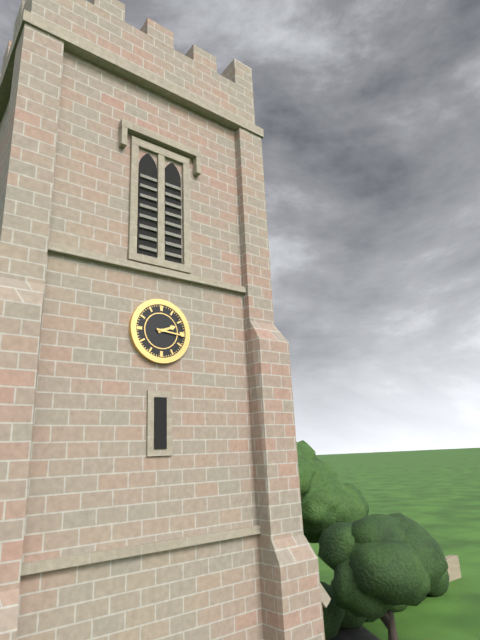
2:16
